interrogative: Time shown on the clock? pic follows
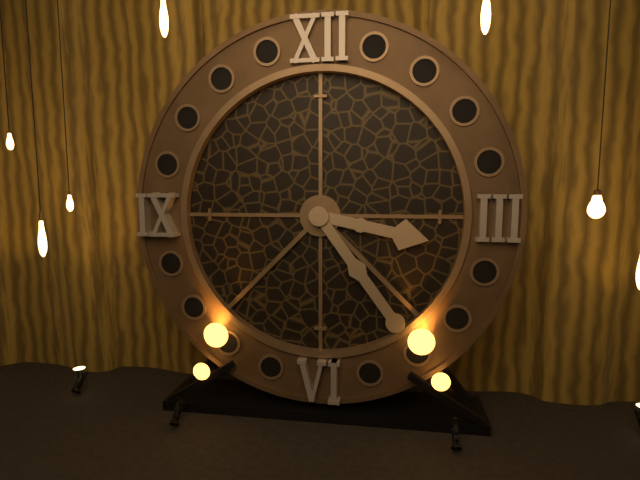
3:24
